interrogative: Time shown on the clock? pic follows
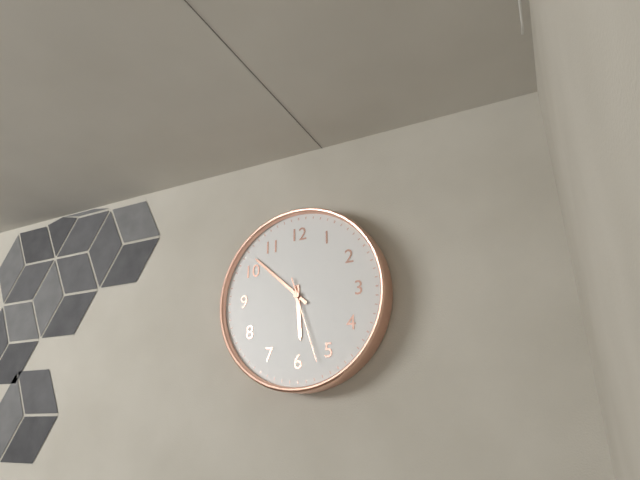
5:52:27
